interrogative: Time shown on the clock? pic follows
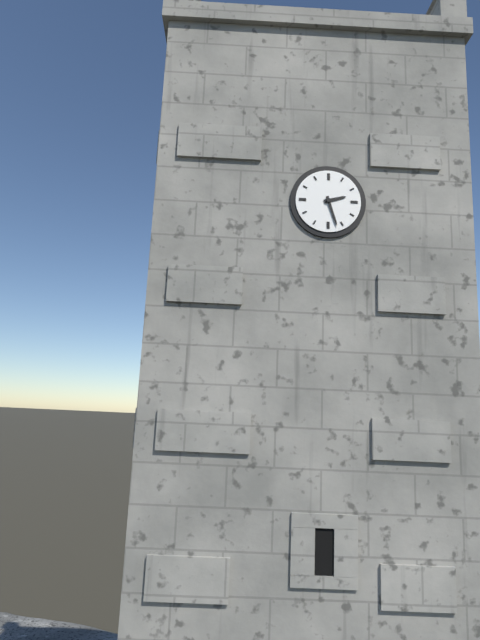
2:27
